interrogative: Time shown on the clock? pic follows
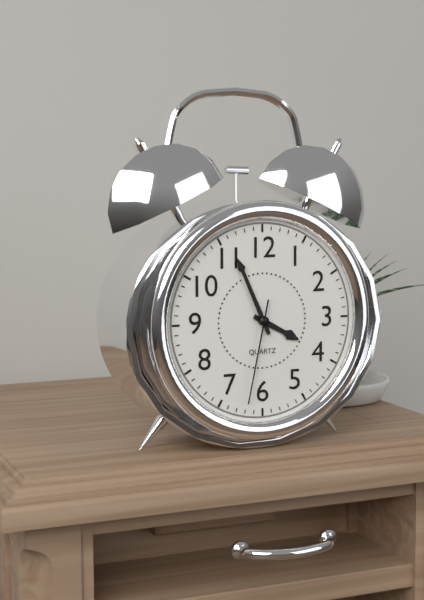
3:56:32
